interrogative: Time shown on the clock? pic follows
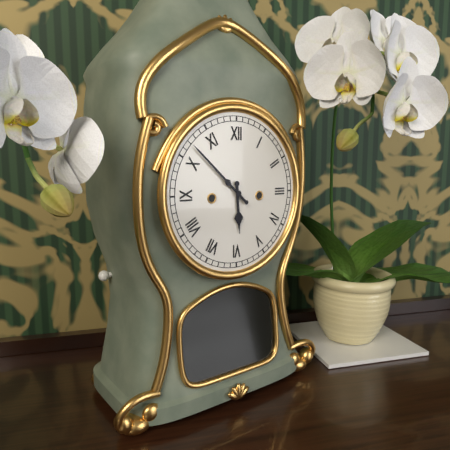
5:52
